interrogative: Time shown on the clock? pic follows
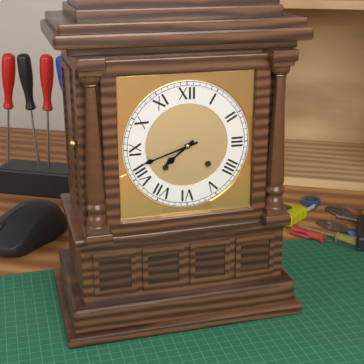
7:42
